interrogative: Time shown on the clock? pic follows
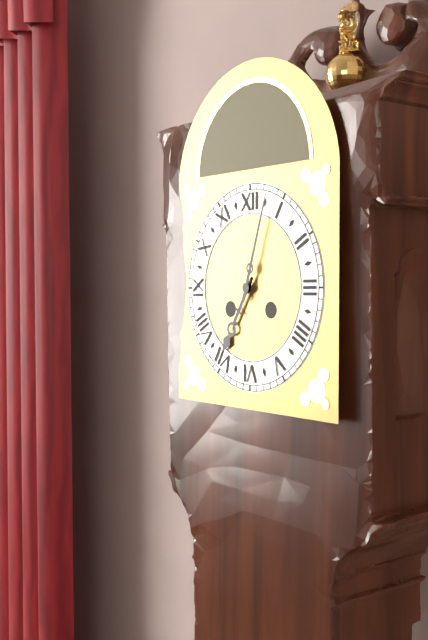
7:03
